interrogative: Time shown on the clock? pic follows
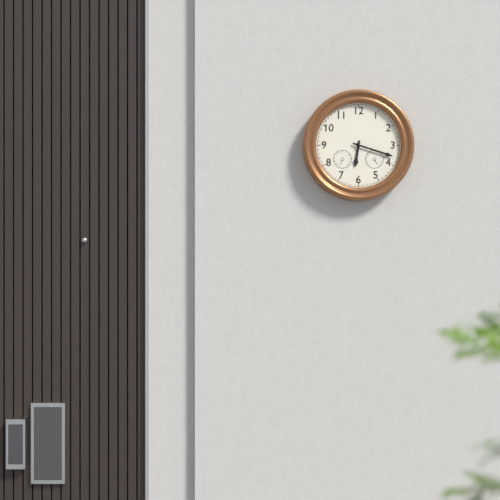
6:18
